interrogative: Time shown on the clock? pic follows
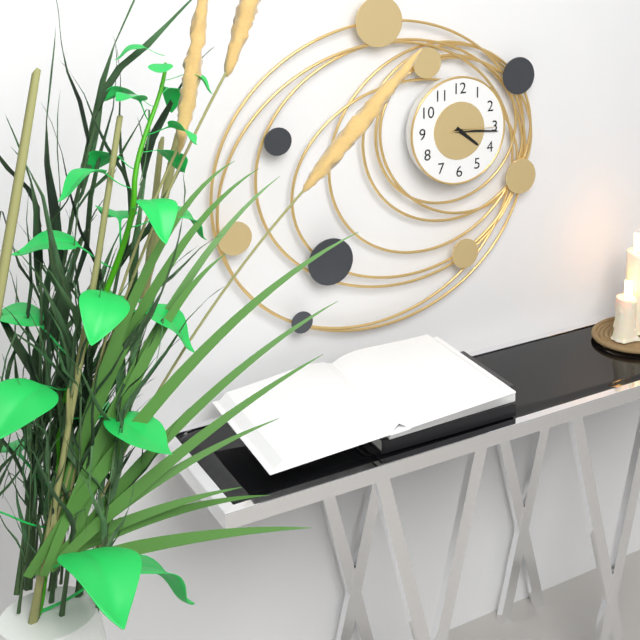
4:16
